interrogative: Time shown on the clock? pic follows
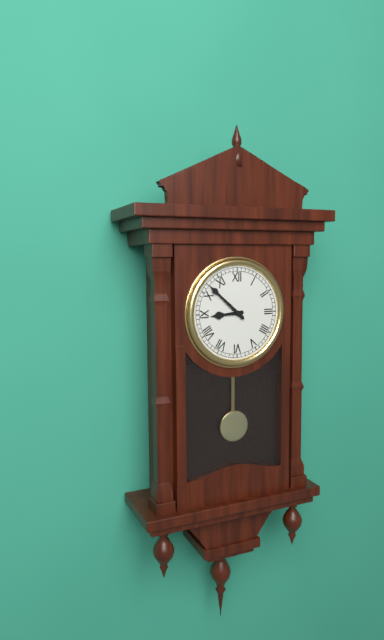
8:52
